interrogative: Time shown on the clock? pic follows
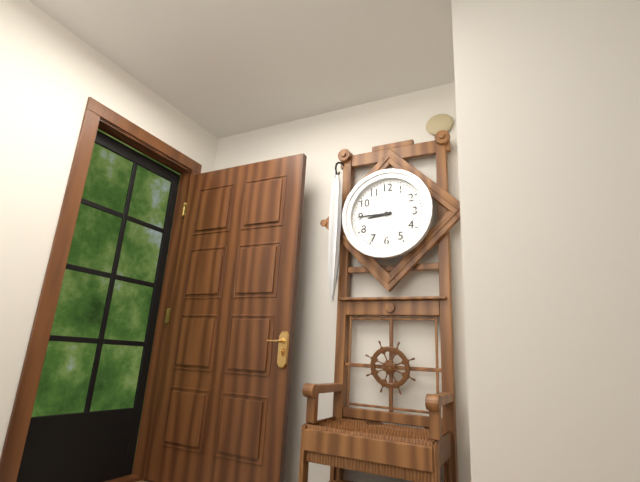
8:45
